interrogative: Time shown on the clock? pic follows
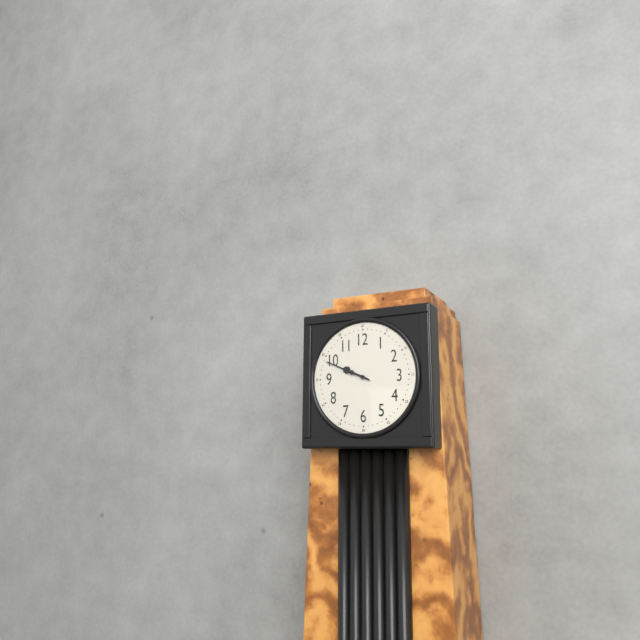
9:49
